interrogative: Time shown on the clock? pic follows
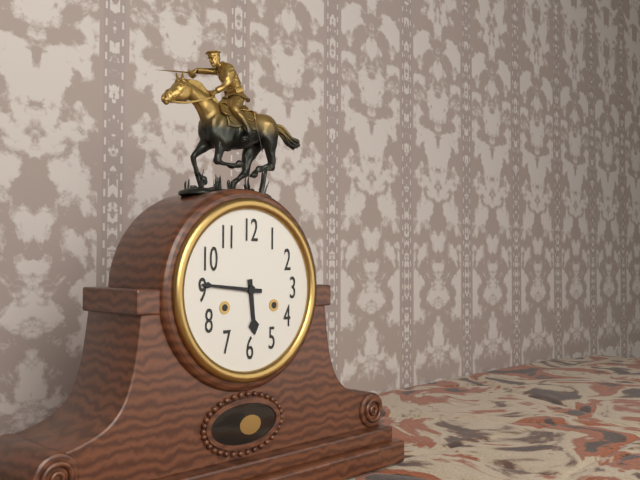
5:46
